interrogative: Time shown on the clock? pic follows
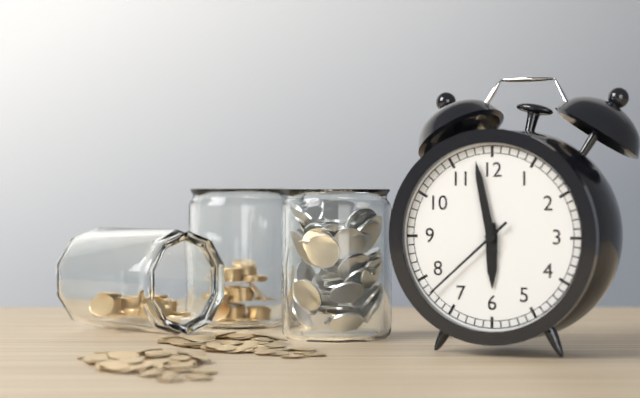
5:58:38
